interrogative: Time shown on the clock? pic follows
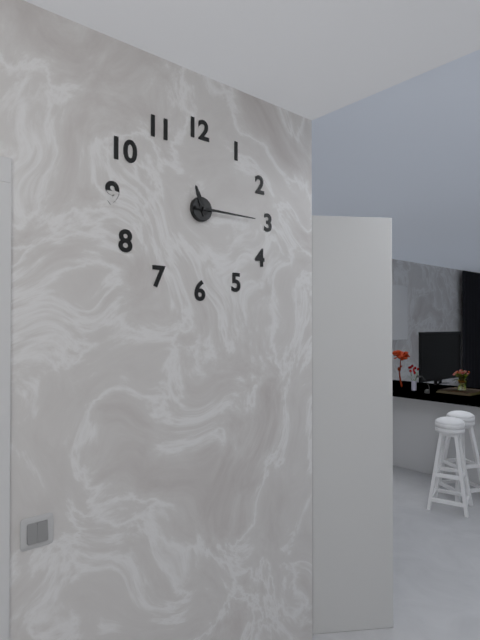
11:15
